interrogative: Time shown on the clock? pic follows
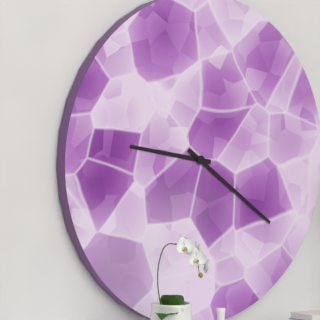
9:21
